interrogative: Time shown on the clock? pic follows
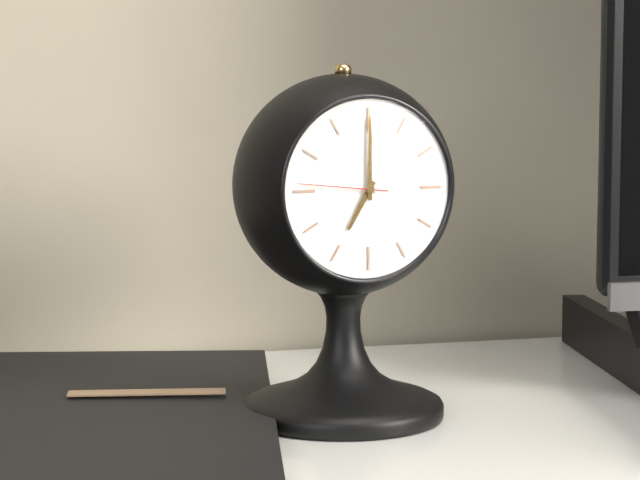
7:00:46
